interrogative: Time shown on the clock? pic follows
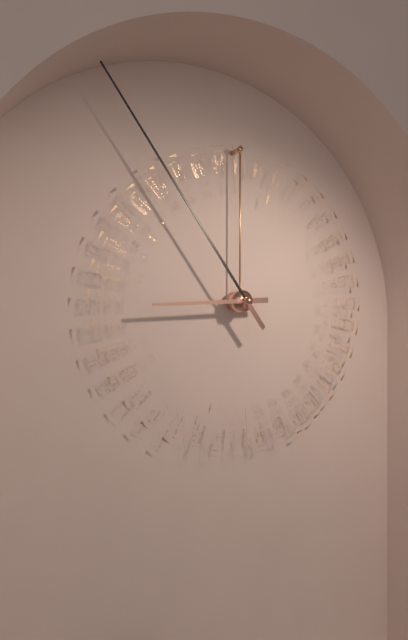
8:54
